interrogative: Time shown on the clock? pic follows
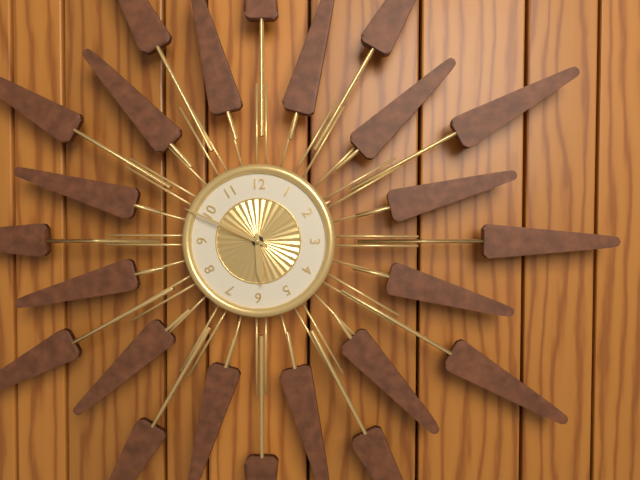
5:49
